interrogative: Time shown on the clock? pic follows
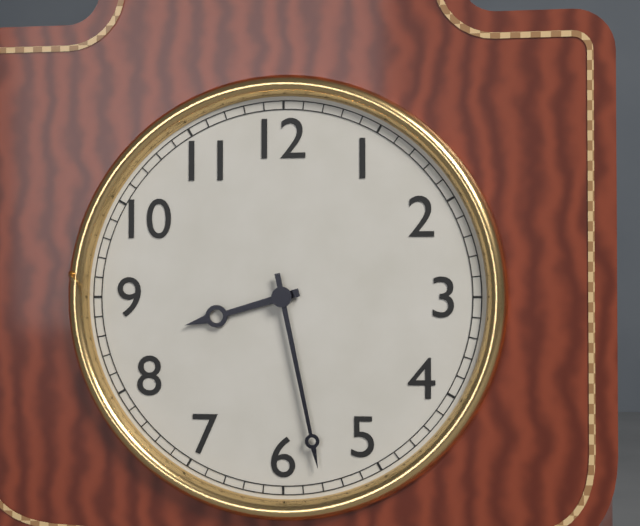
8:28
